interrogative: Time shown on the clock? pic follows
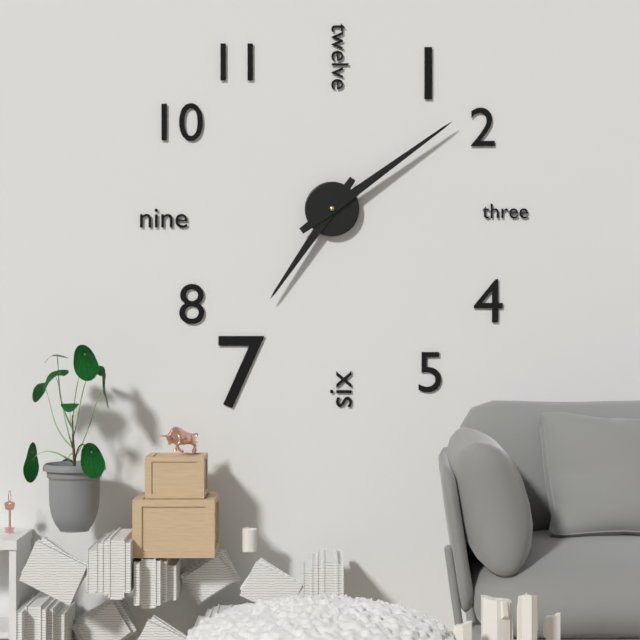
7:09
